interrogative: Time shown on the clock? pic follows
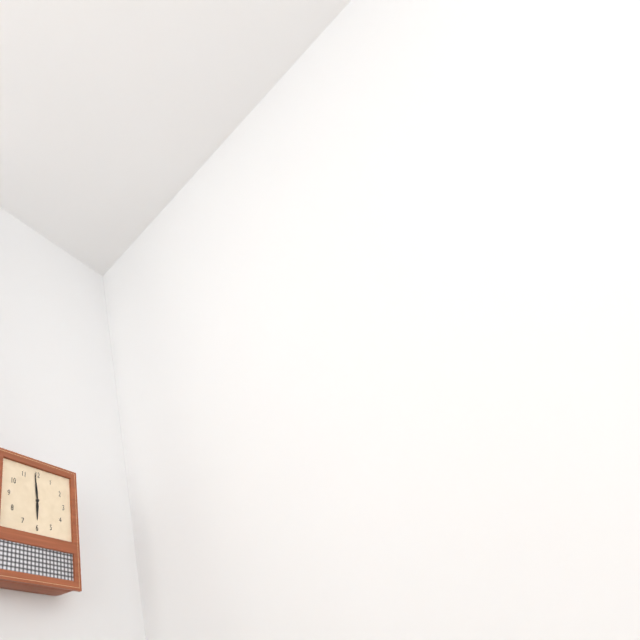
5:59
